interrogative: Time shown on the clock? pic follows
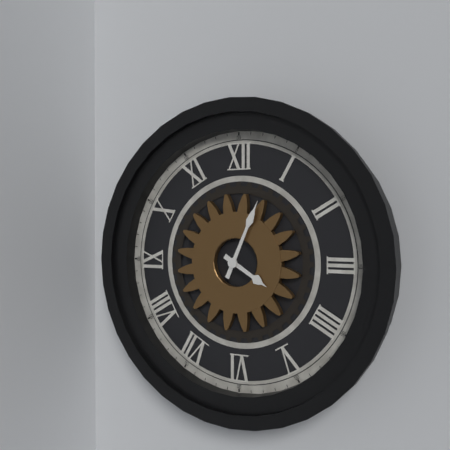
4:04
